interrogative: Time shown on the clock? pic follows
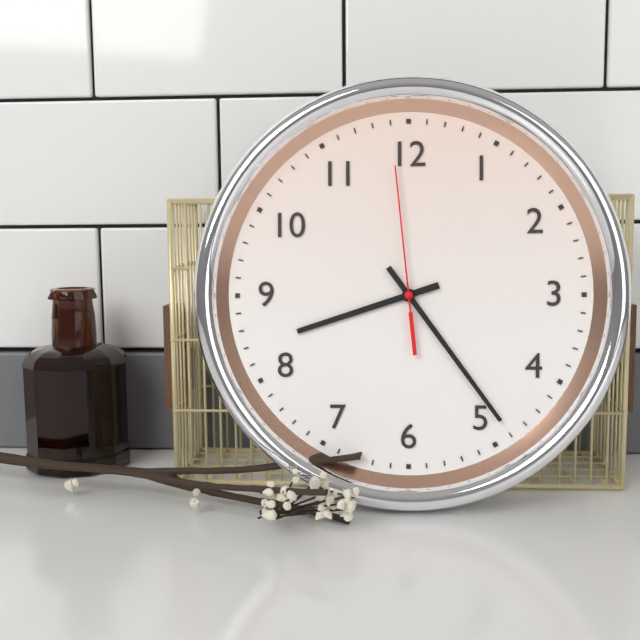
8:24:59
